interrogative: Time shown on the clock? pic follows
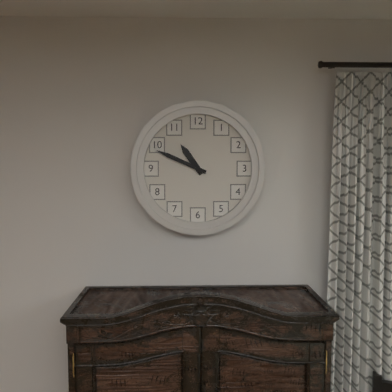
10:49
